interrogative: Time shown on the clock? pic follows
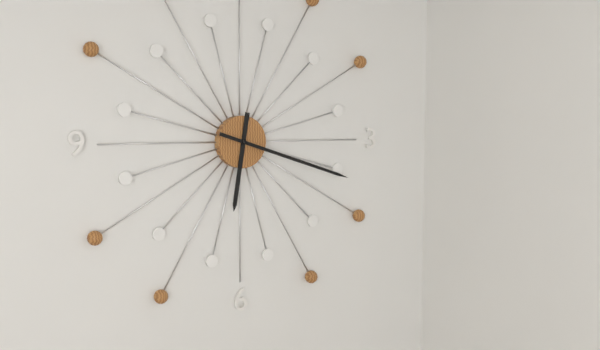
6:18
